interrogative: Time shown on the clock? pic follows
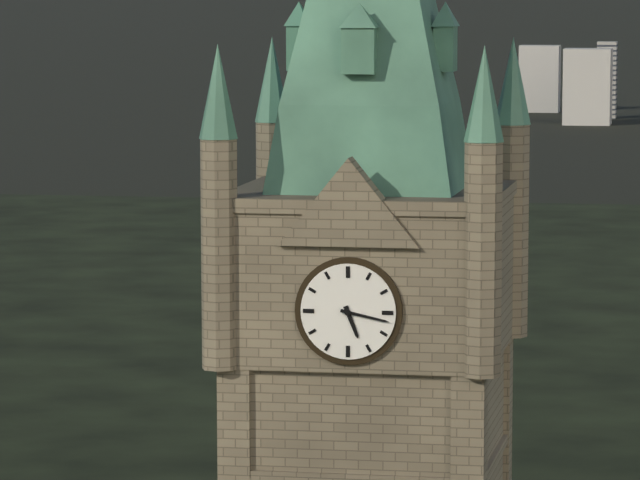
5:17
